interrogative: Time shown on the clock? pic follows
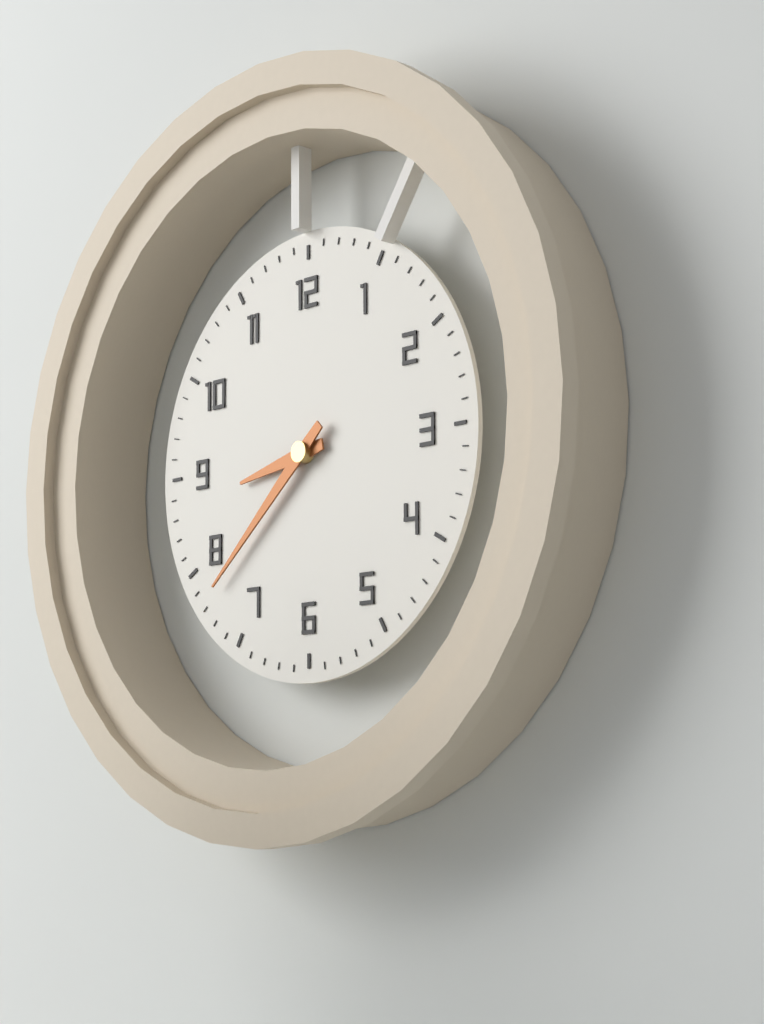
8:38
